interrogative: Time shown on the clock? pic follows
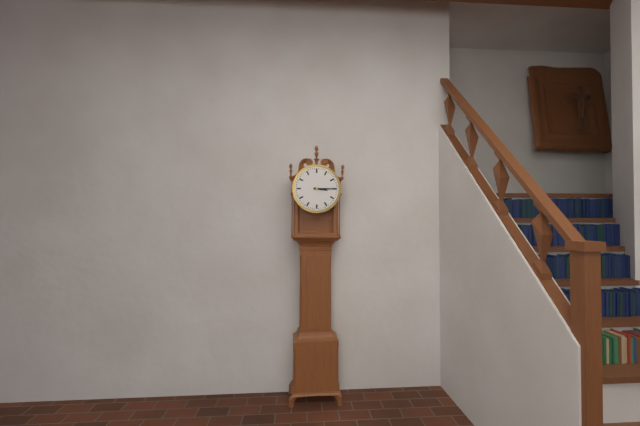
3:15
